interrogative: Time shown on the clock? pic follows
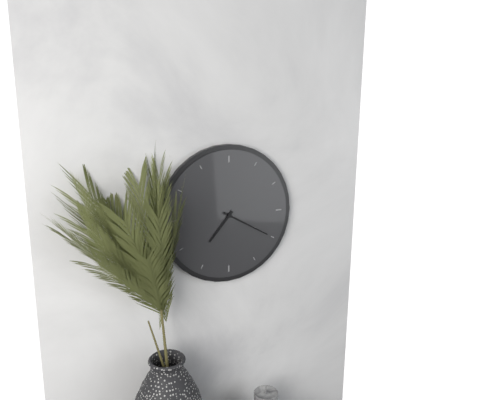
7:20
